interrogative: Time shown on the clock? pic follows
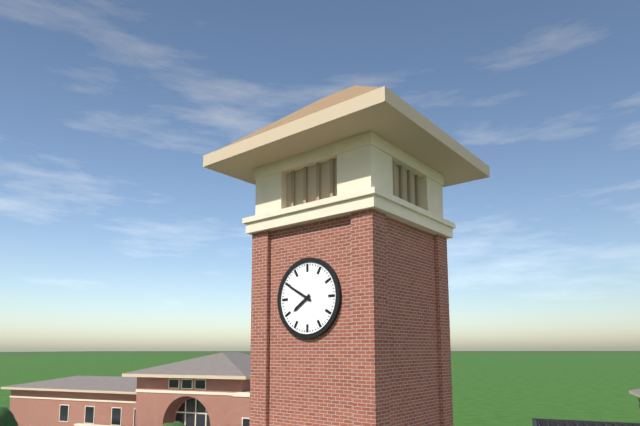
7:50
